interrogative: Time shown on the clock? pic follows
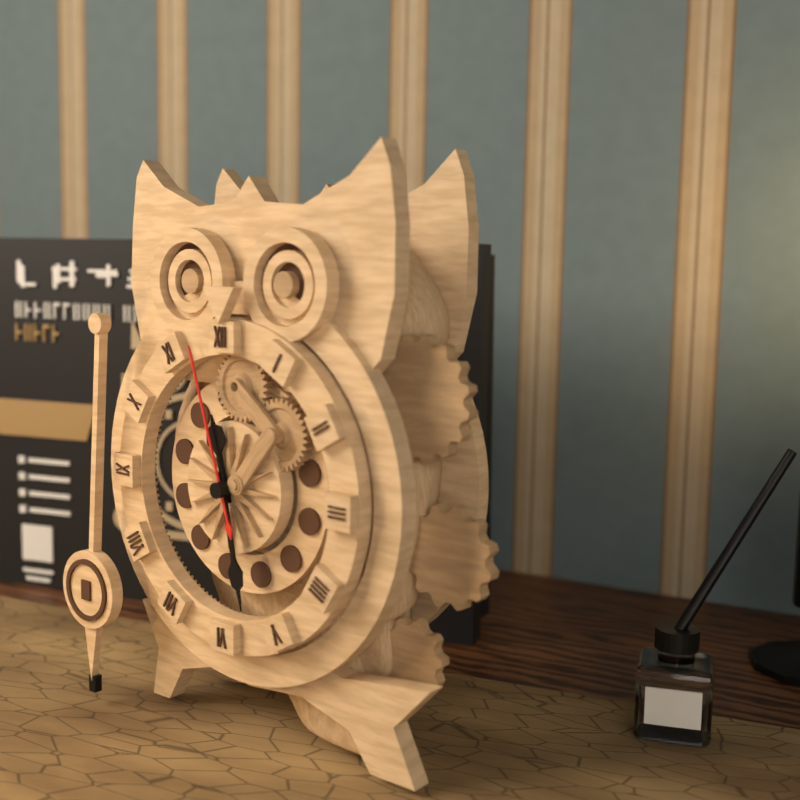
11:28:57
